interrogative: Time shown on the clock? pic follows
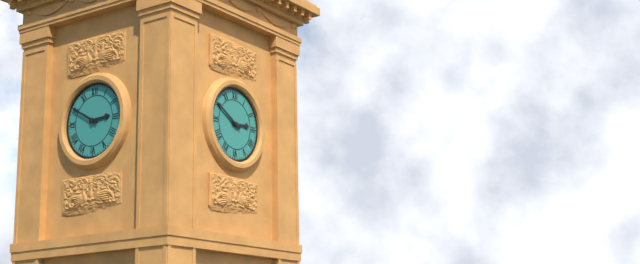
2:50
